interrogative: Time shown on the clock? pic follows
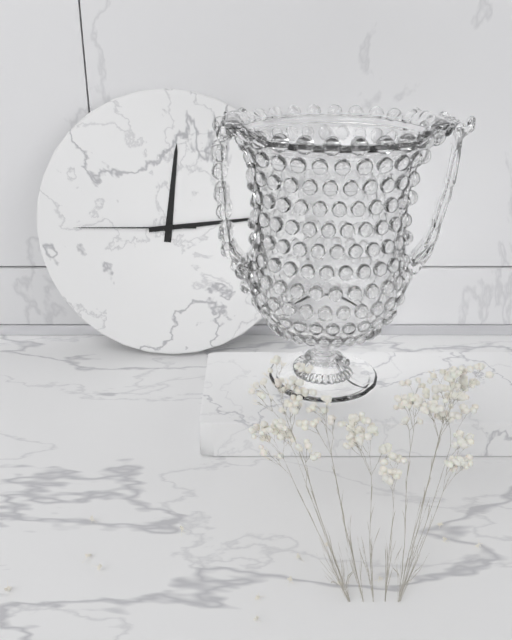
12:14:45
